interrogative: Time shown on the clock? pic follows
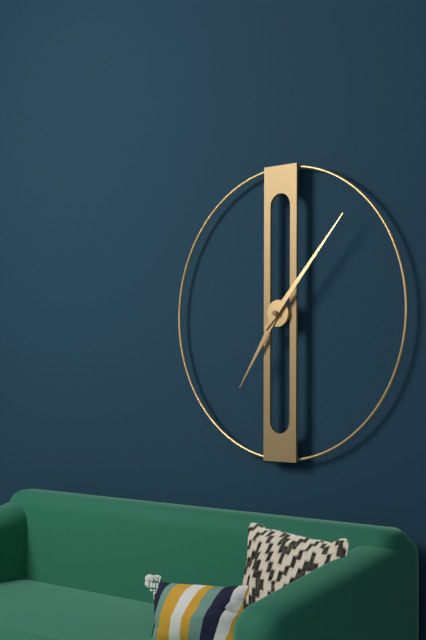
7:07
